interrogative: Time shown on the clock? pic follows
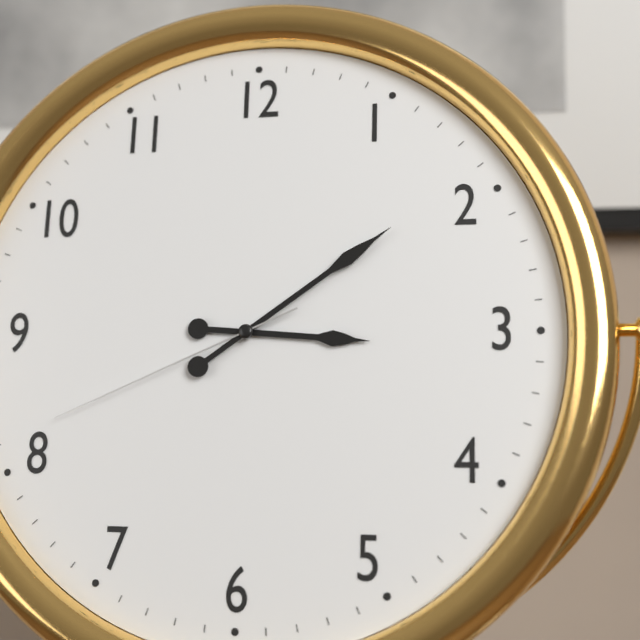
3:09:41
